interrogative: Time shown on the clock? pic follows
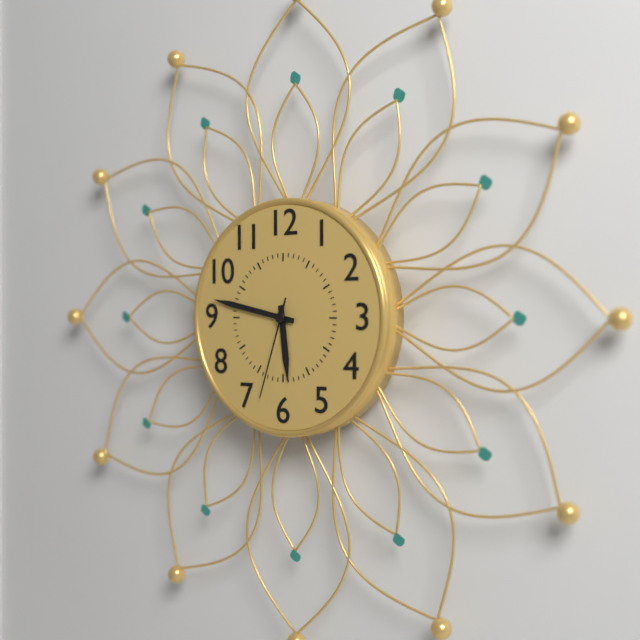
5:47:33
